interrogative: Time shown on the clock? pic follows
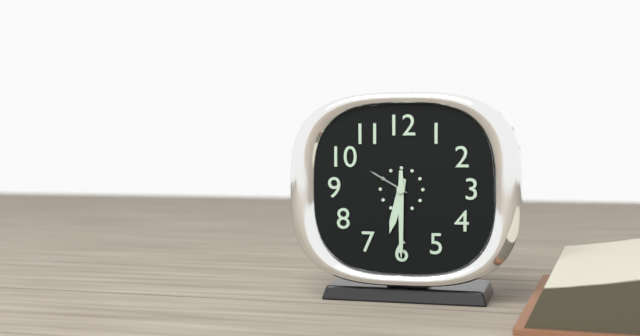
6:30
